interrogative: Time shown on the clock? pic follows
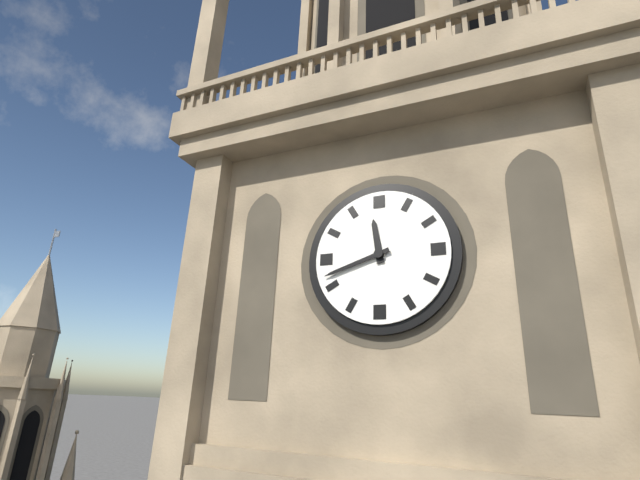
11:42
